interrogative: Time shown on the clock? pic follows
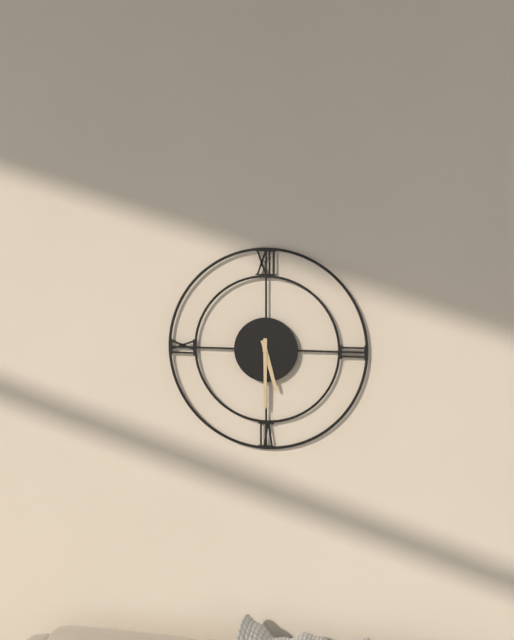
5:30
